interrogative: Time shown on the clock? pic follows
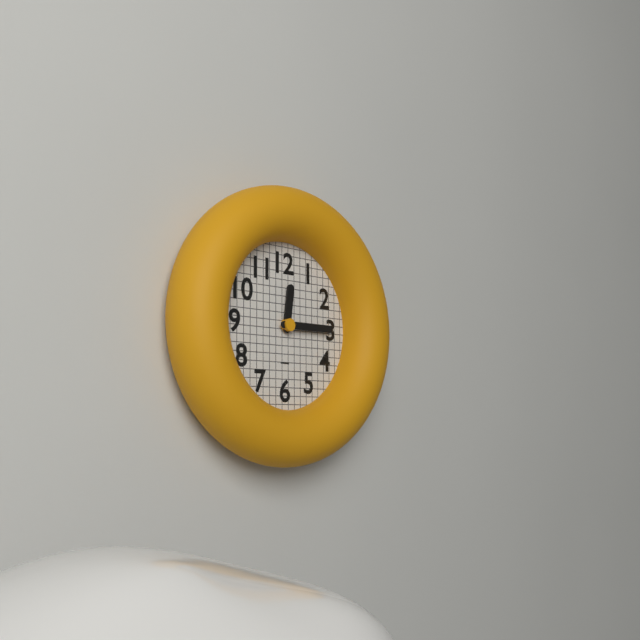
12:15
